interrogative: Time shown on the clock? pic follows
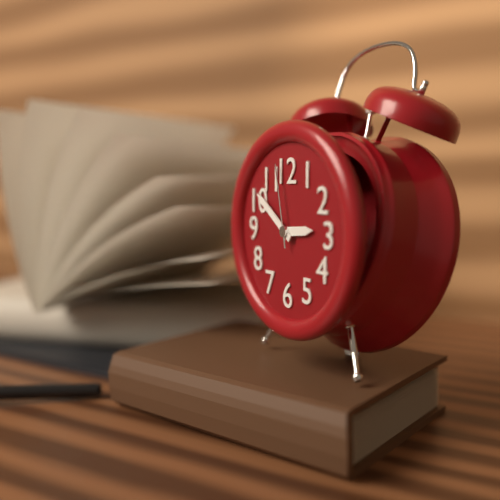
2:51:58
